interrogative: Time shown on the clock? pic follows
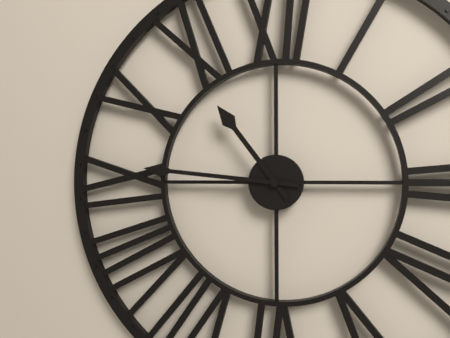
10:46
